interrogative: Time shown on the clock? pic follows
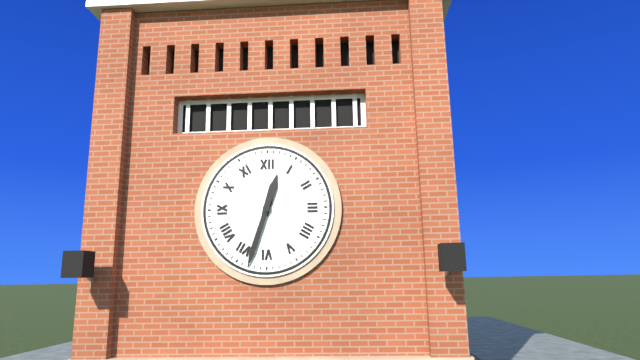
12:33
